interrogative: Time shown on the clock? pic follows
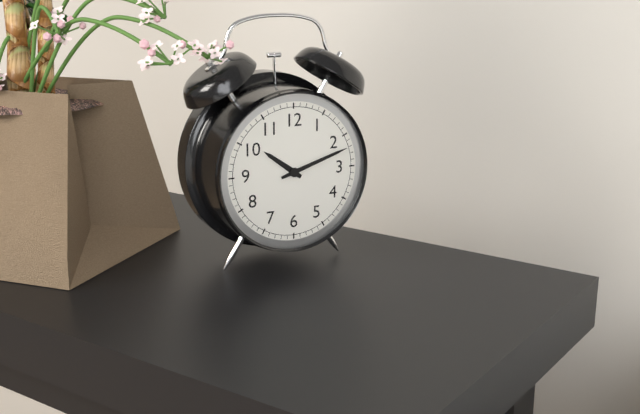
10:12
